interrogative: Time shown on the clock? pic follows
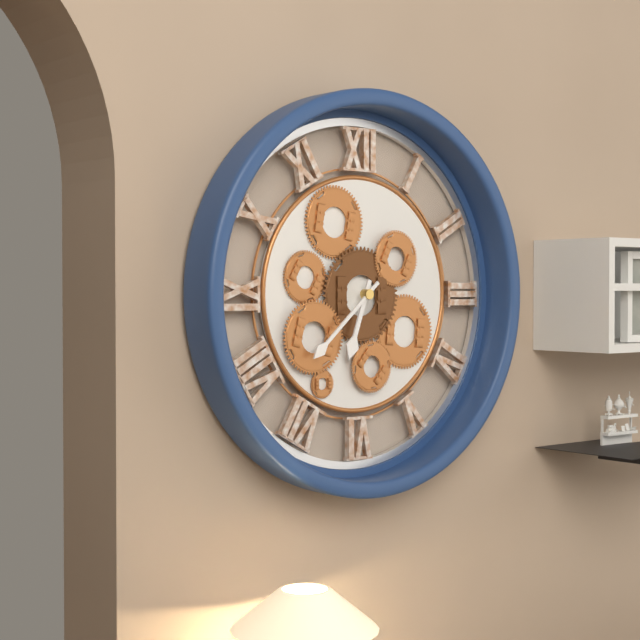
6:38
